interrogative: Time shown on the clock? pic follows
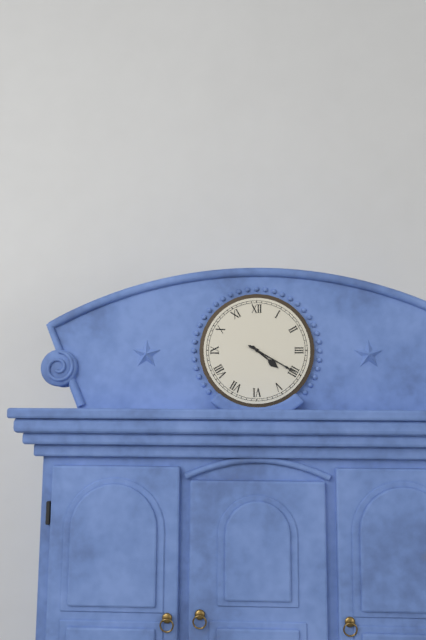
4:20
